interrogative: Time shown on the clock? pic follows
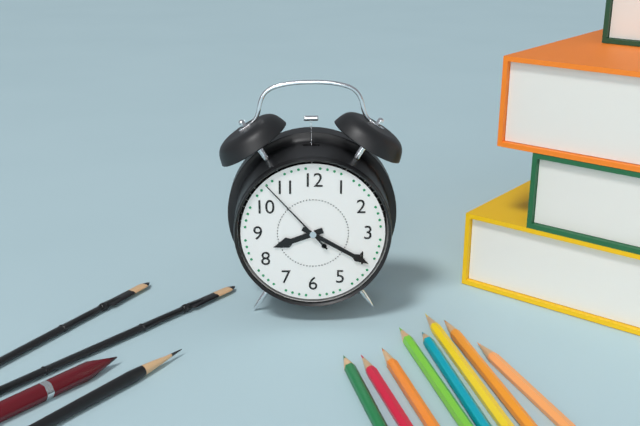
8:20:53
